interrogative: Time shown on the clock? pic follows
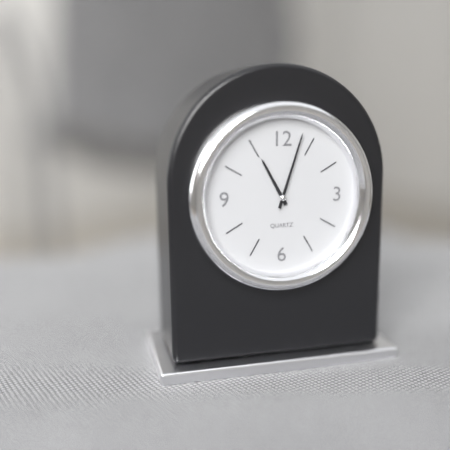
11:03
